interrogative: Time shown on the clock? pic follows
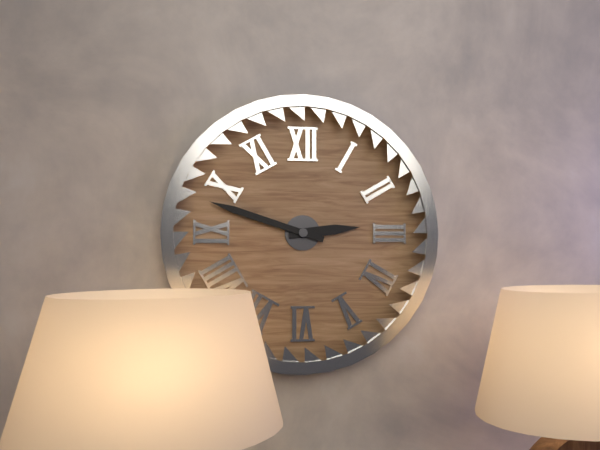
2:48
